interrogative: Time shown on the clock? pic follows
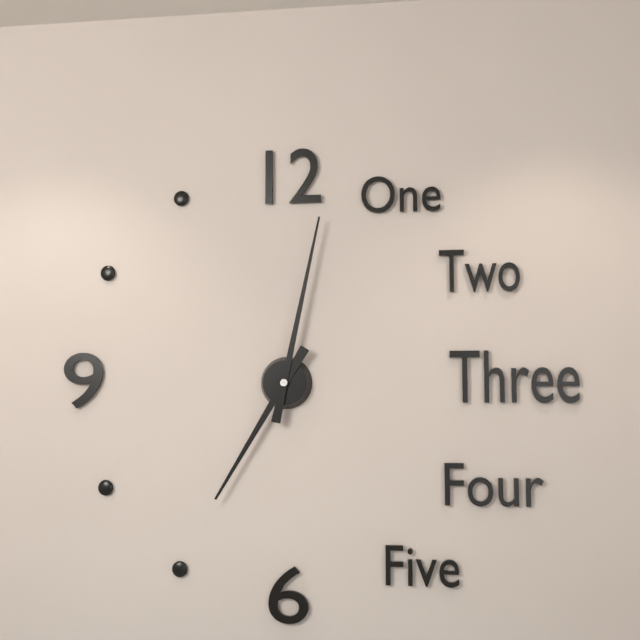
7:02
